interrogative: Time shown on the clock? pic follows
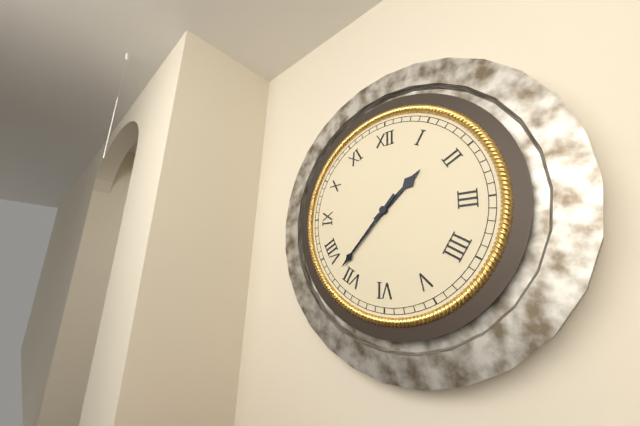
1:37
